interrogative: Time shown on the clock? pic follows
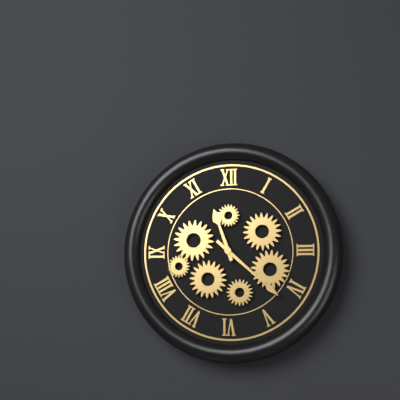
11:22
